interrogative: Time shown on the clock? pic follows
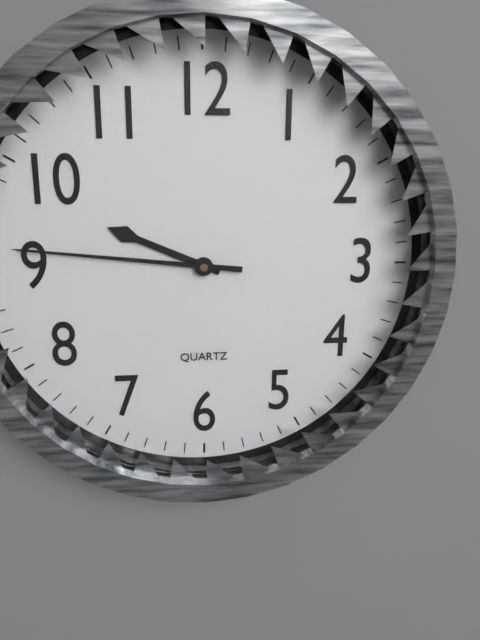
9:46
